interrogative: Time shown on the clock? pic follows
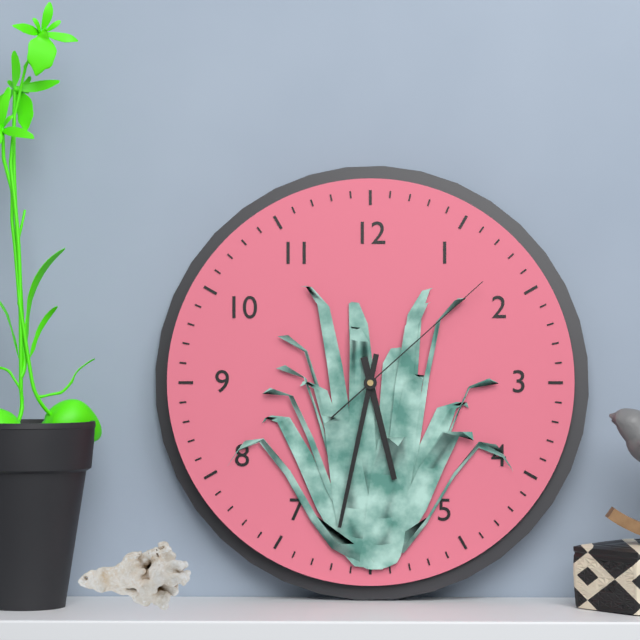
5:32:08
